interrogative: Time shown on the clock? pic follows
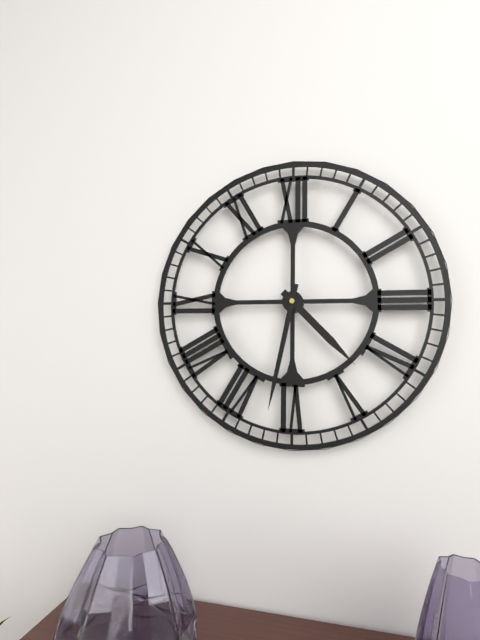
4:32
